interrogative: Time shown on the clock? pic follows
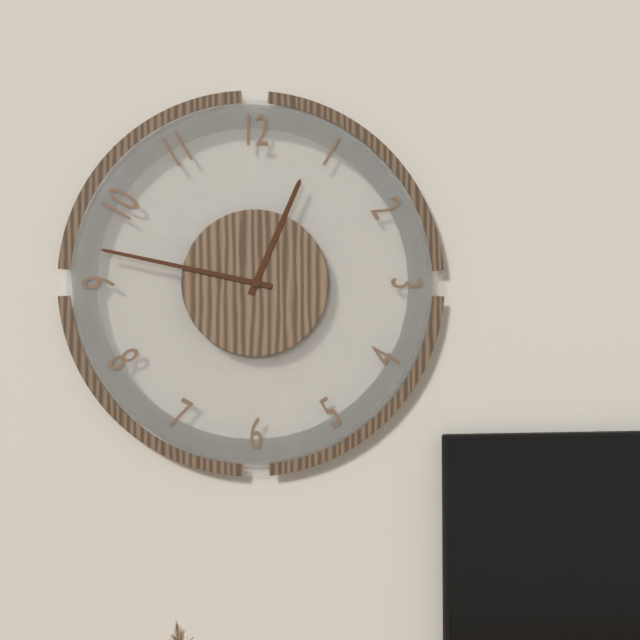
12:47
